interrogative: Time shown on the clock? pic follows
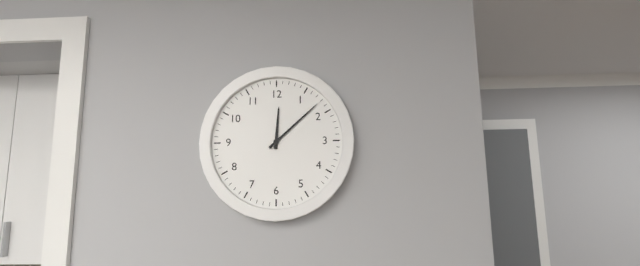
12:08
